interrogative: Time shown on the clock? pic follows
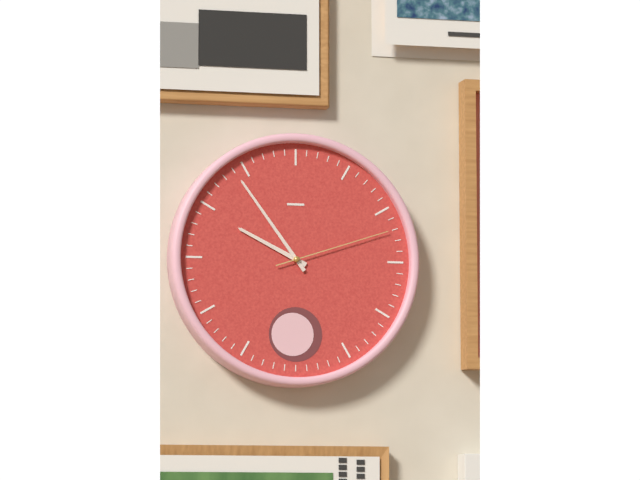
9:54:12
